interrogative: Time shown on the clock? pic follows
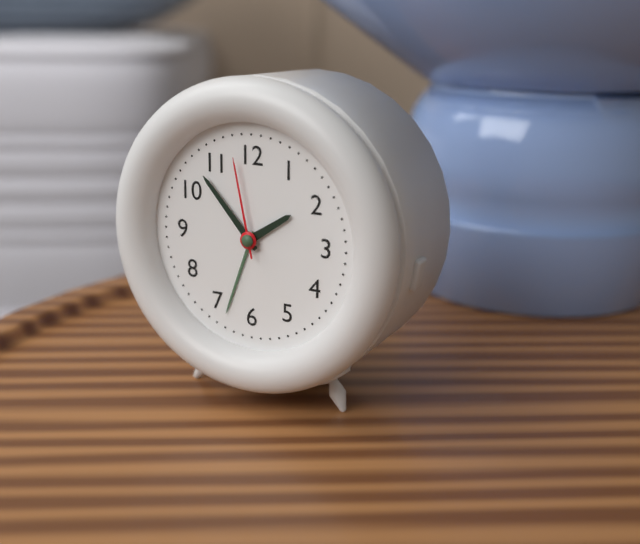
1:53:58
